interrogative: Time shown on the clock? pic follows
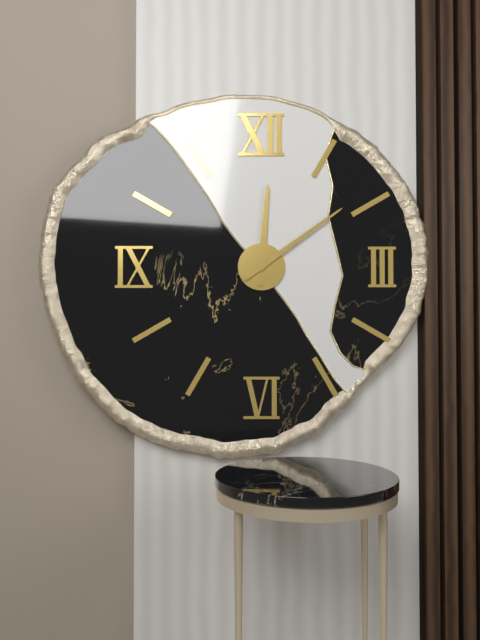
12:09
